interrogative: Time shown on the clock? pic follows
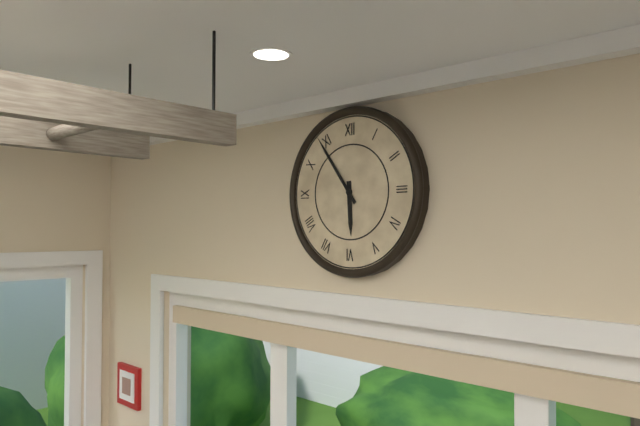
5:54
